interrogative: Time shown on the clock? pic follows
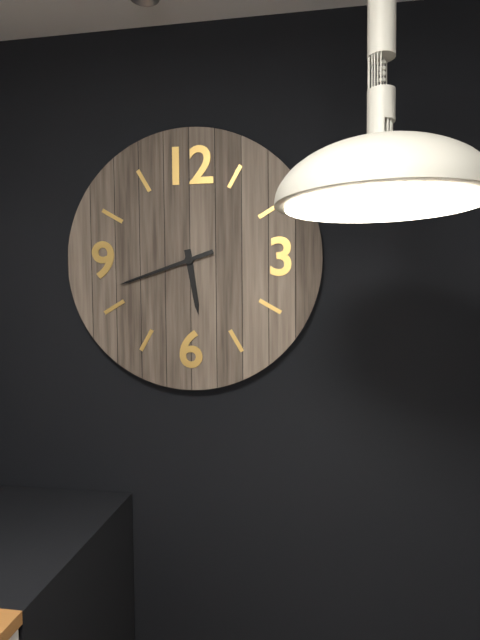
5:42
